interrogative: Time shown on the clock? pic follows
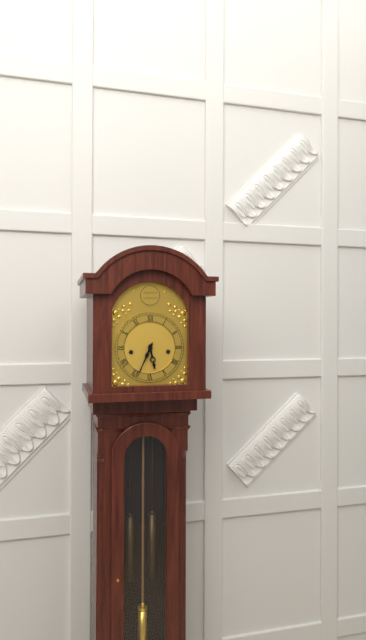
5:34
